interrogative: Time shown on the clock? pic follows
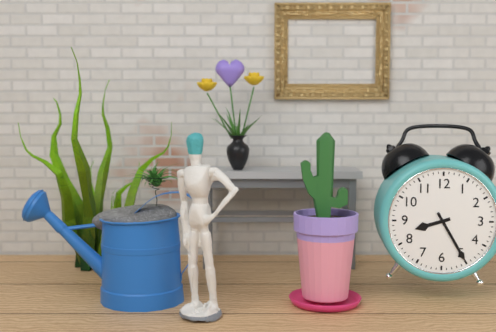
8:25
